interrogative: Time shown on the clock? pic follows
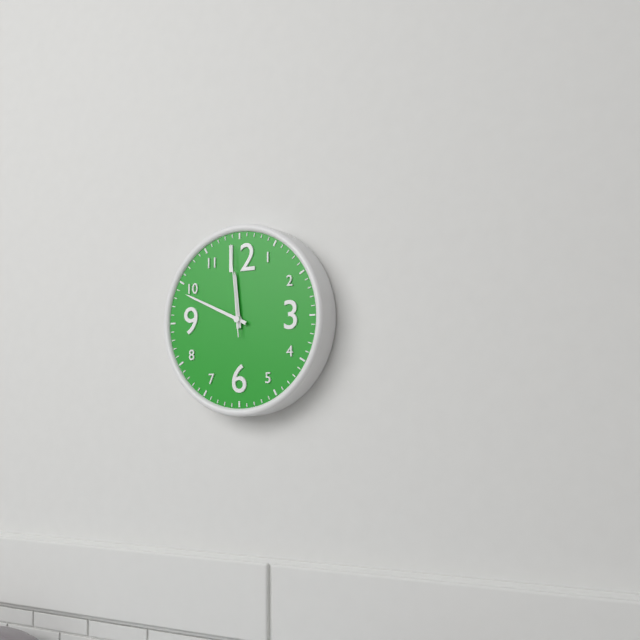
11:49:59
